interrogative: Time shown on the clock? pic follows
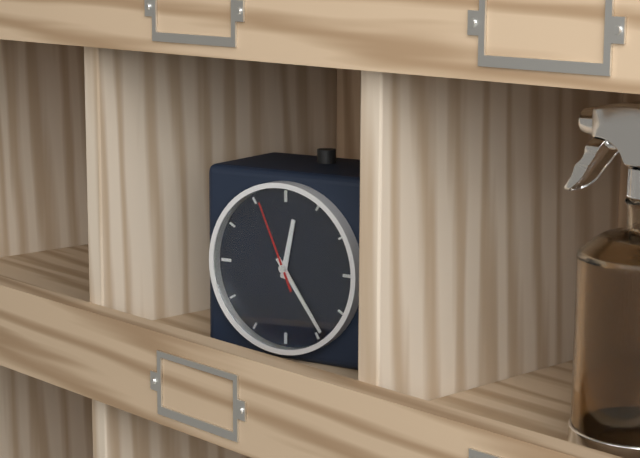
12:24:56
